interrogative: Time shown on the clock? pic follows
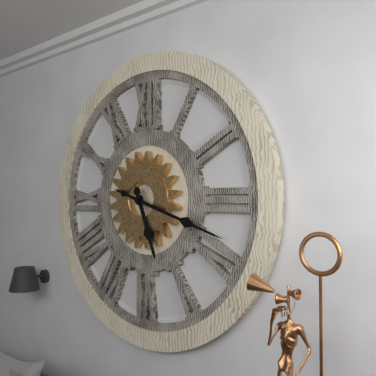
5:18
